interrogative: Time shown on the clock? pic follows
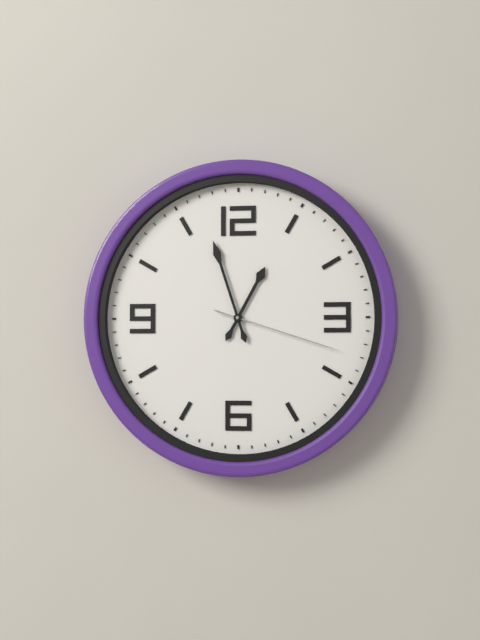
12:57:18
